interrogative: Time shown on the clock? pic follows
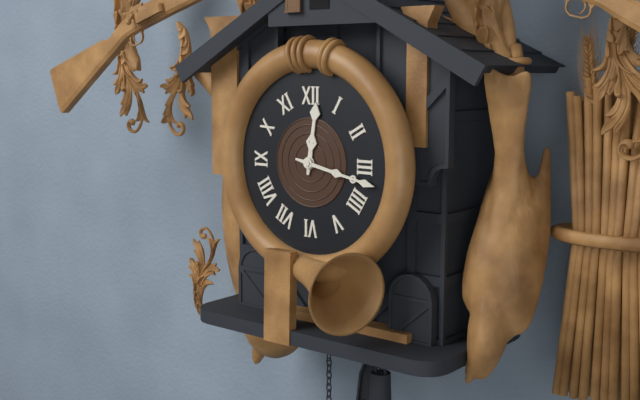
12:17
